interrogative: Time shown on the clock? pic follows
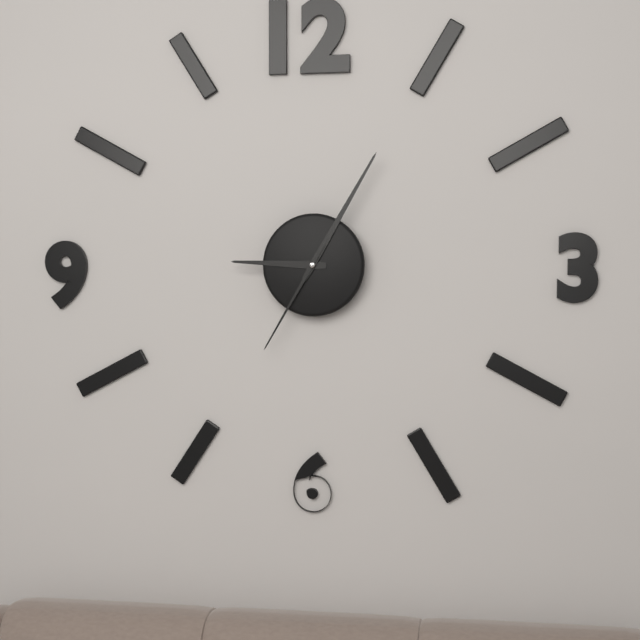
9:05:35
